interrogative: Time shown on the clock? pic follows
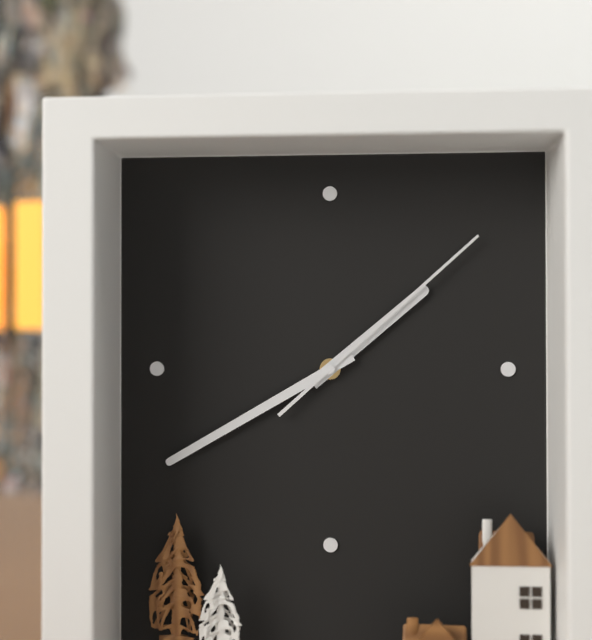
1:40:08
